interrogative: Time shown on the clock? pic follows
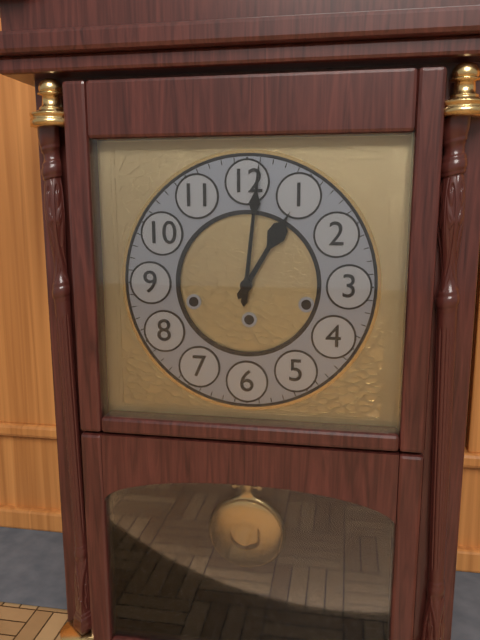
1:01
